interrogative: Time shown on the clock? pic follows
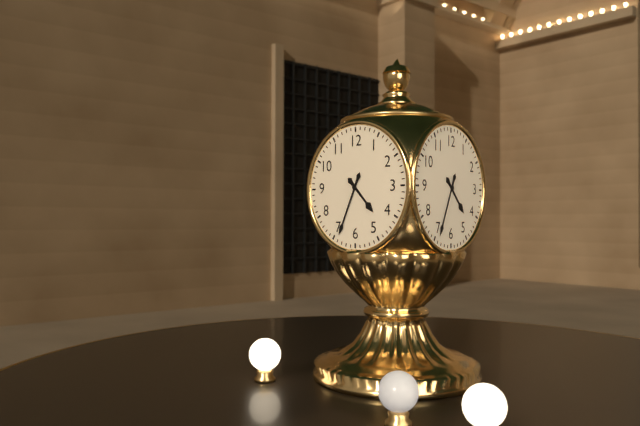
4:34
